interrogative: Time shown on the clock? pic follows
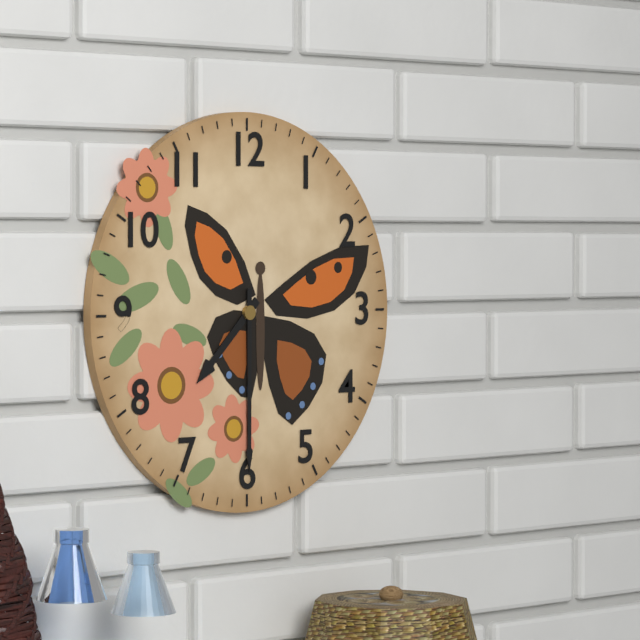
7:30
